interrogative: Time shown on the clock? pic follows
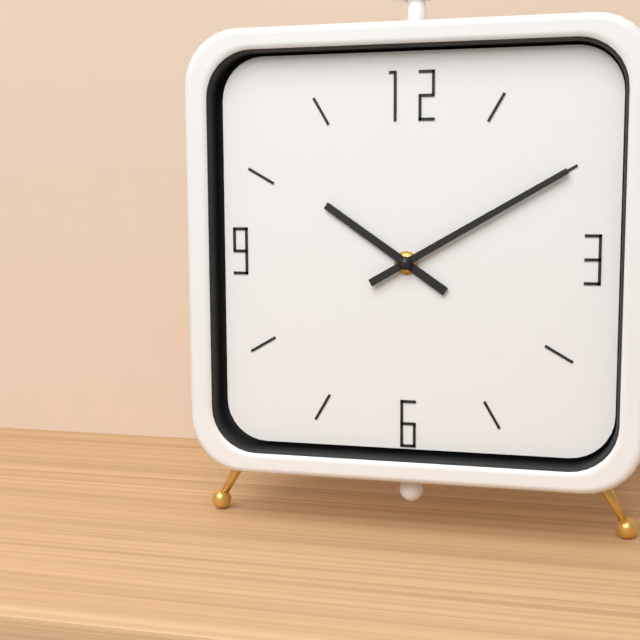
10:10
